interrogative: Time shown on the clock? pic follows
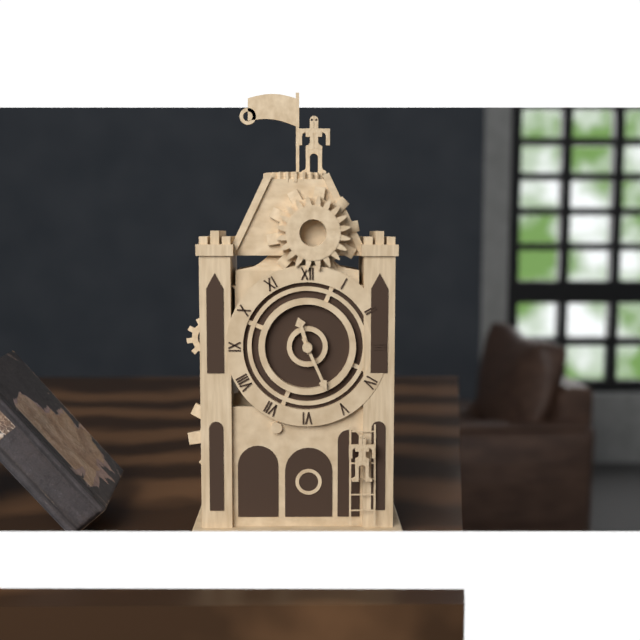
11:26
